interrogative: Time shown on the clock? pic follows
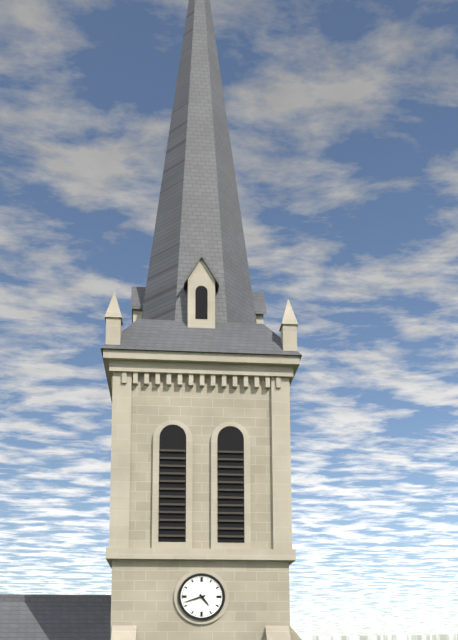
4:42
